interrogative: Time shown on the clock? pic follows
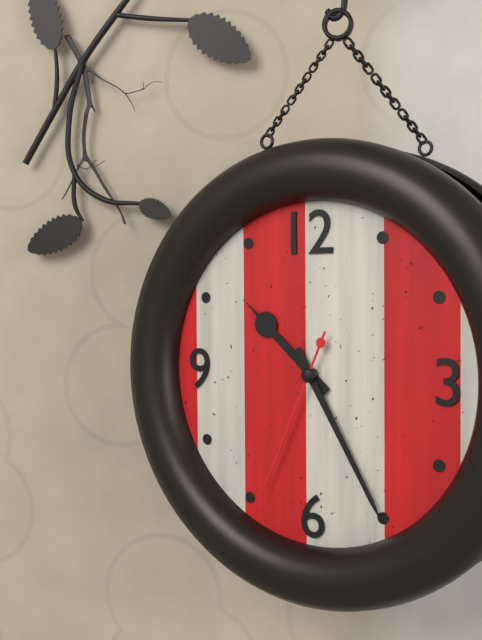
10:25:34
